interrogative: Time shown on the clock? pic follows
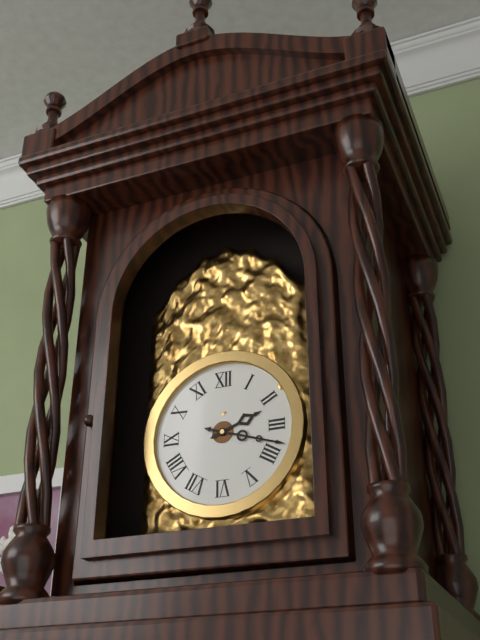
2:18
